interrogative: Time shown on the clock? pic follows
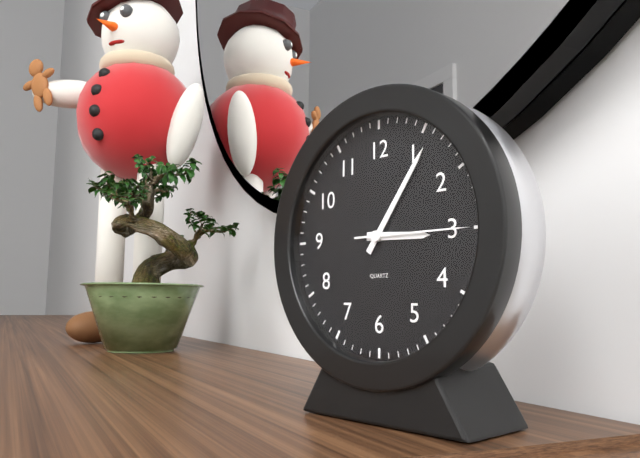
3:06:15
